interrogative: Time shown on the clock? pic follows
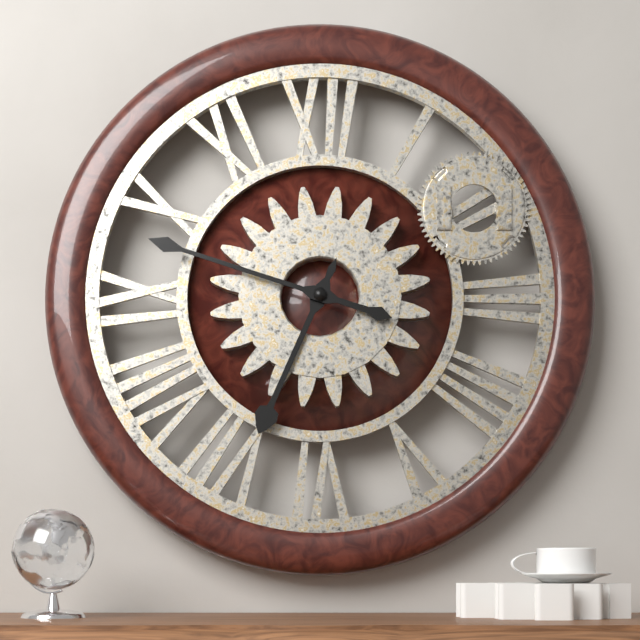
6:48
